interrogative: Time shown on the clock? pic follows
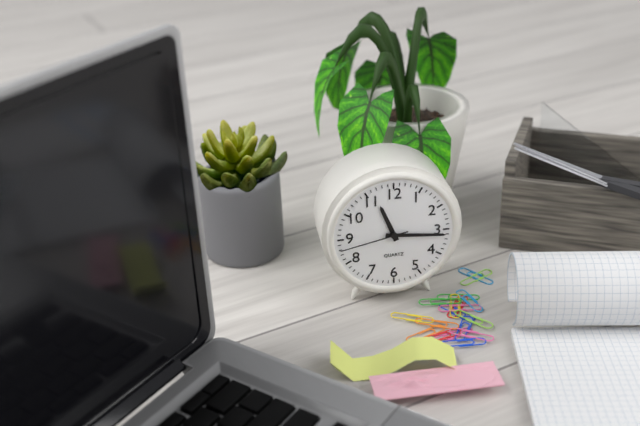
11:16:43
